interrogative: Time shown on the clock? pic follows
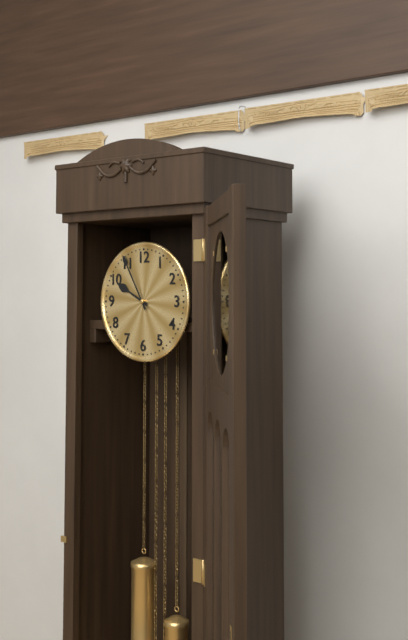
9:55
